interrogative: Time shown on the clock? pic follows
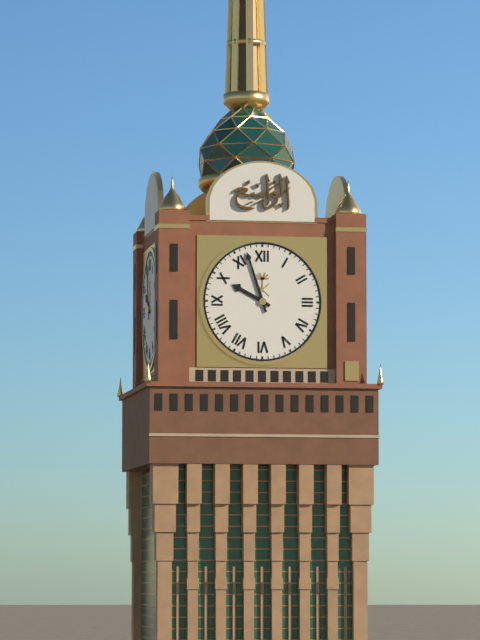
9:57
